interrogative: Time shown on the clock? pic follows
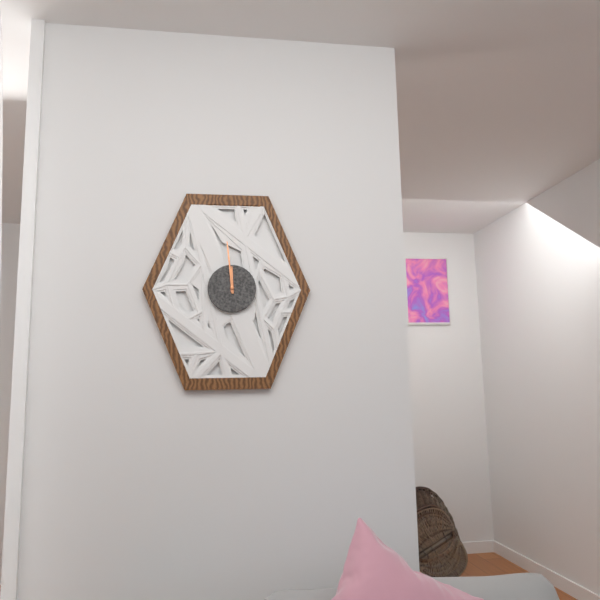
11:59
